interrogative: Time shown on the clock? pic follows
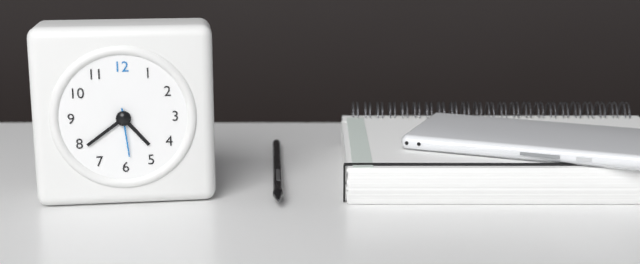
4:39
